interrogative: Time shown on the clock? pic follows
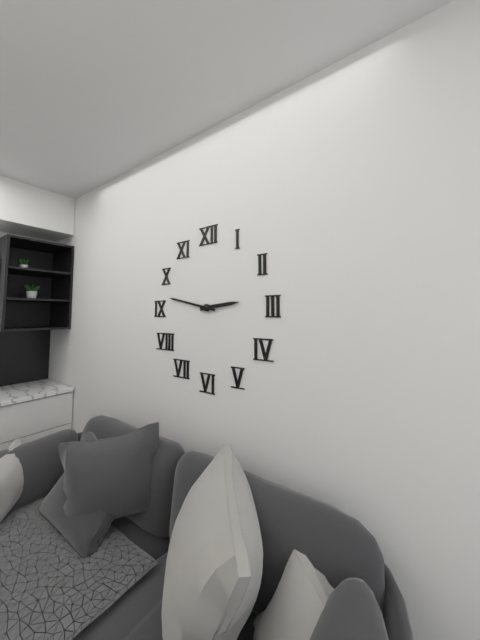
2:47
